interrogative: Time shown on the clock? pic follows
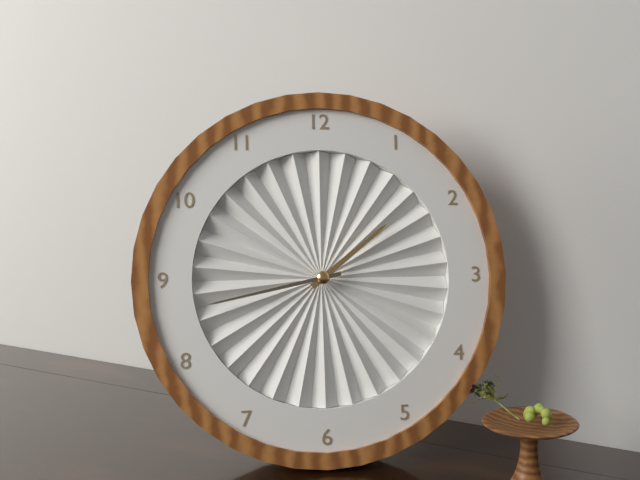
1:43
